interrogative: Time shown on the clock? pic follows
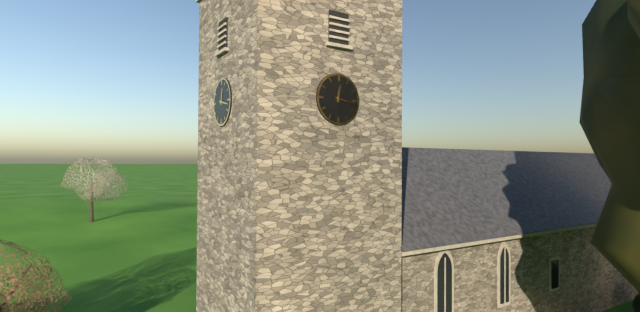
12:17
